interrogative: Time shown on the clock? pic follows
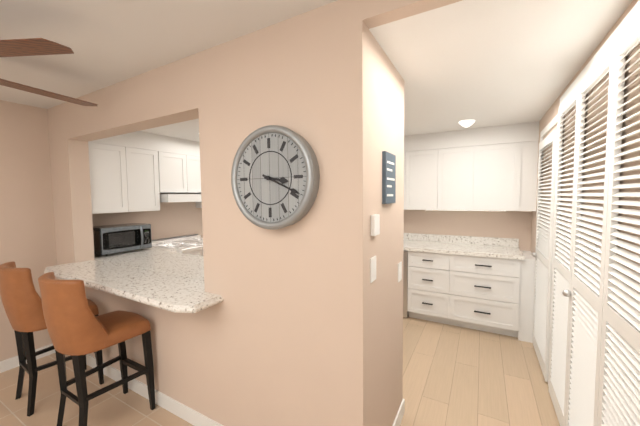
3:19
